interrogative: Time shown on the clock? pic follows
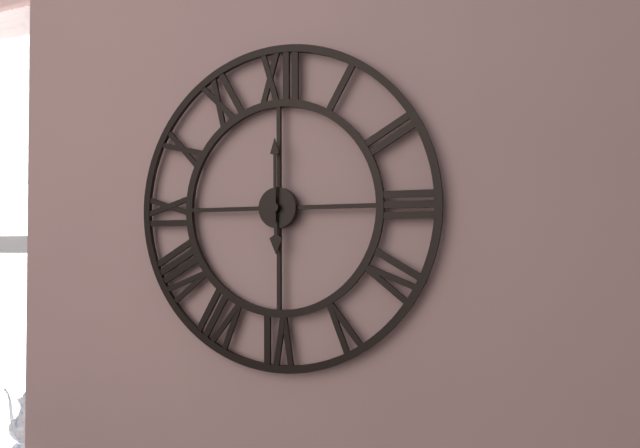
6:00
